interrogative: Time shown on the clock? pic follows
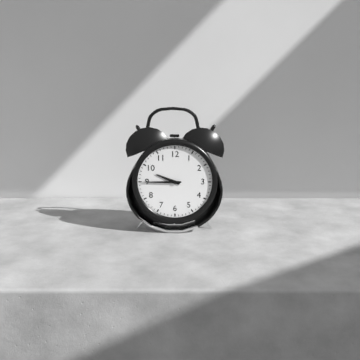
9:45
